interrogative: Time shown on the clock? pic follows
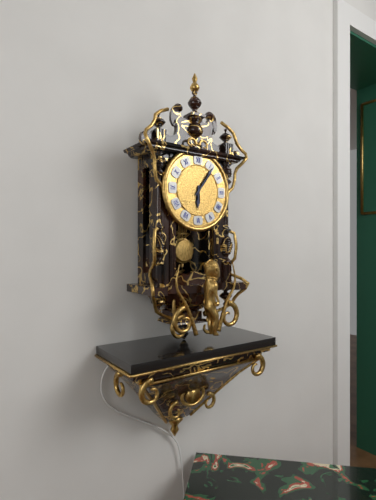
6:06
